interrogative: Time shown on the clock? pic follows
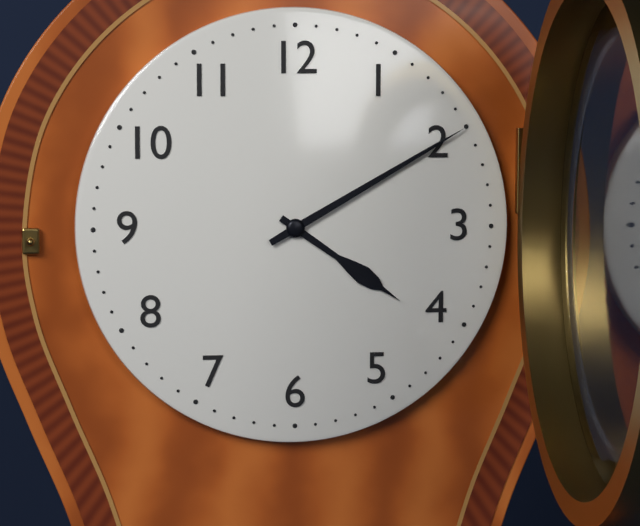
4:10
